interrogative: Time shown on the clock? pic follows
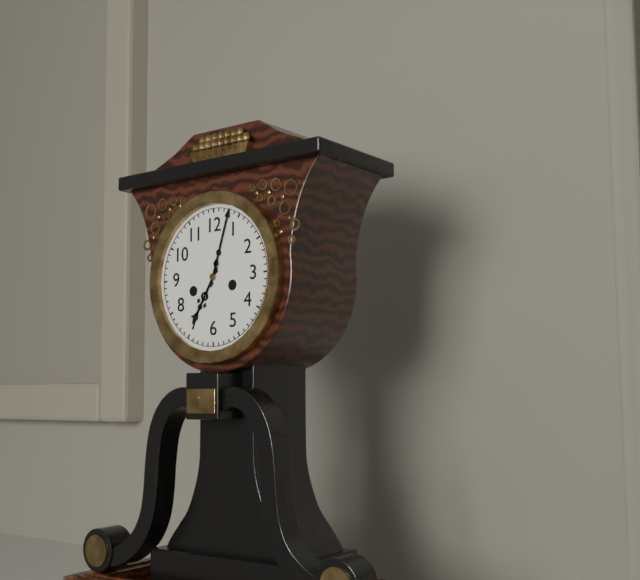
7:03
